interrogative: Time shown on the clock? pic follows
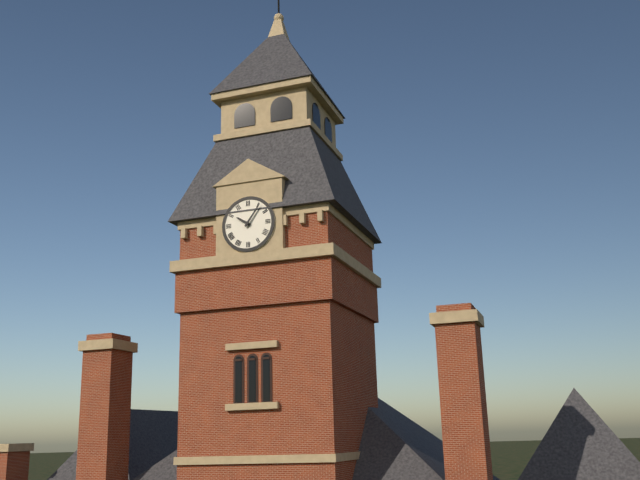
10:06
